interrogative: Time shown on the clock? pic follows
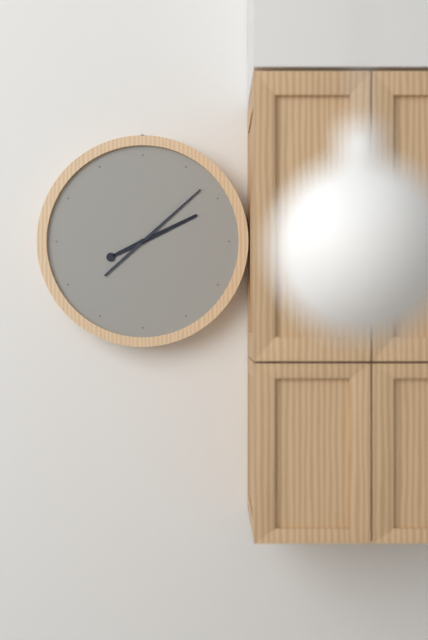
2:08
